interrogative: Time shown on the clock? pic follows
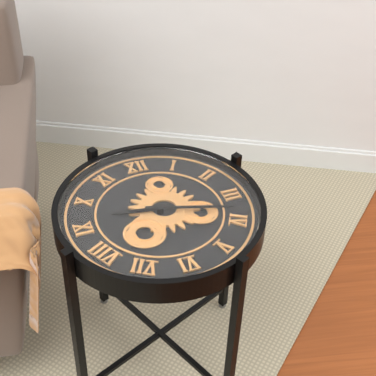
9:18
